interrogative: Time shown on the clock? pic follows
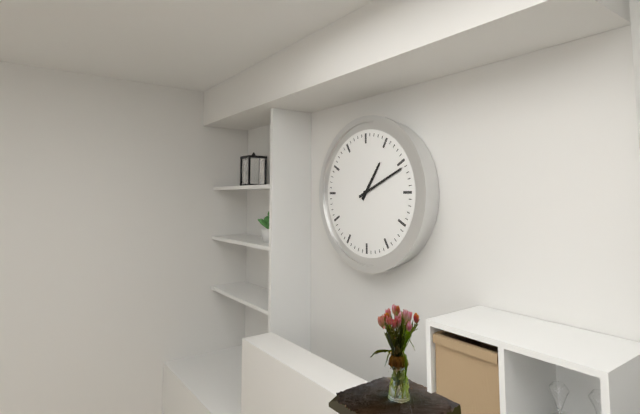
1:11
